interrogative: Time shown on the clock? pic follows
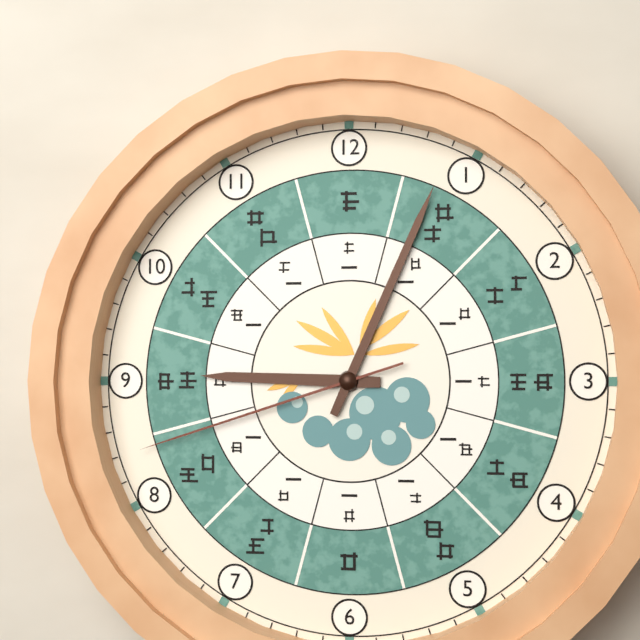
9:04:42
